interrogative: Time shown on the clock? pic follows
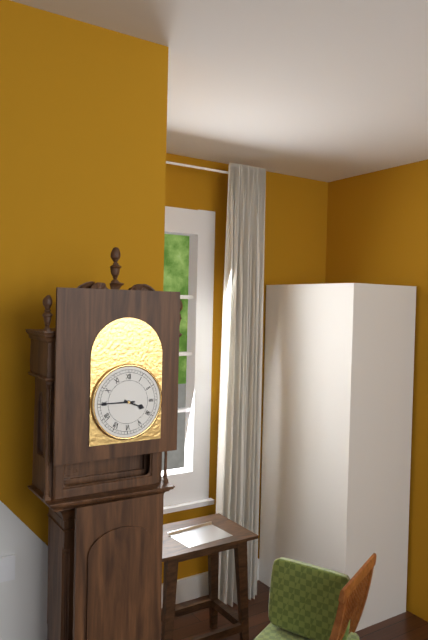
3:45
